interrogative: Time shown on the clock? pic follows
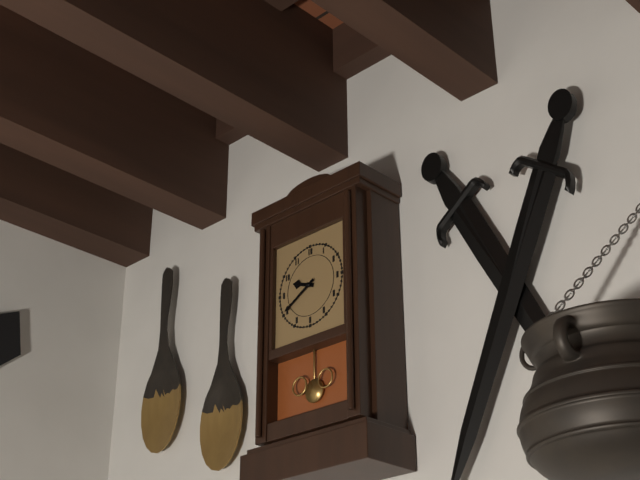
9:40
